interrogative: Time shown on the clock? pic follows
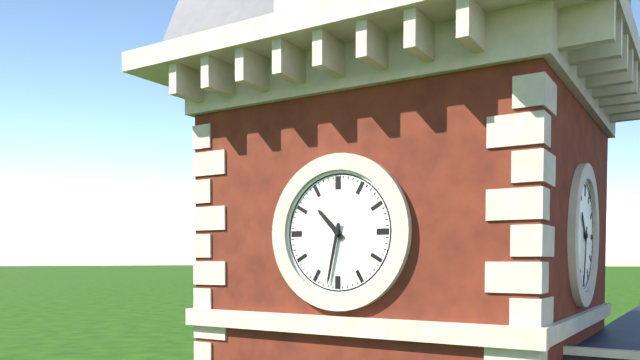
10:32
